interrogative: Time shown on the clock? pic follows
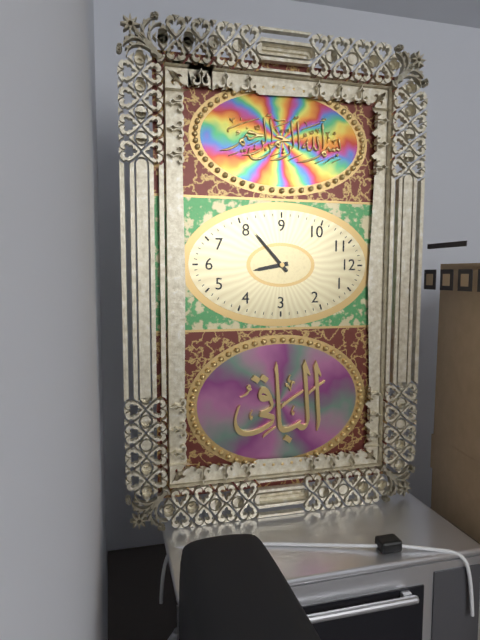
5:38
